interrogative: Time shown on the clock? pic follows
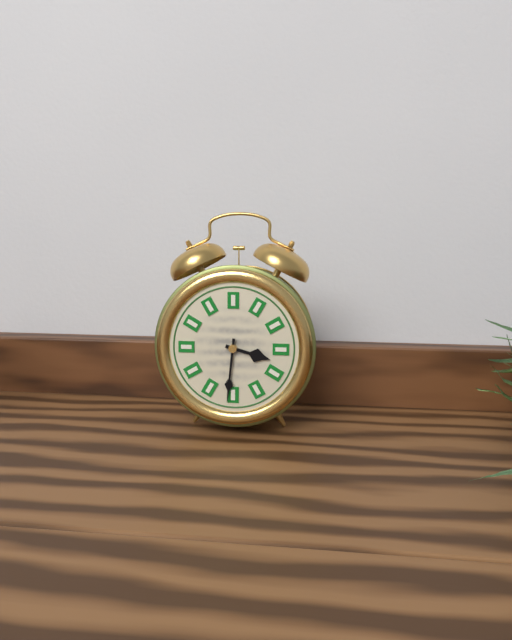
3:31
